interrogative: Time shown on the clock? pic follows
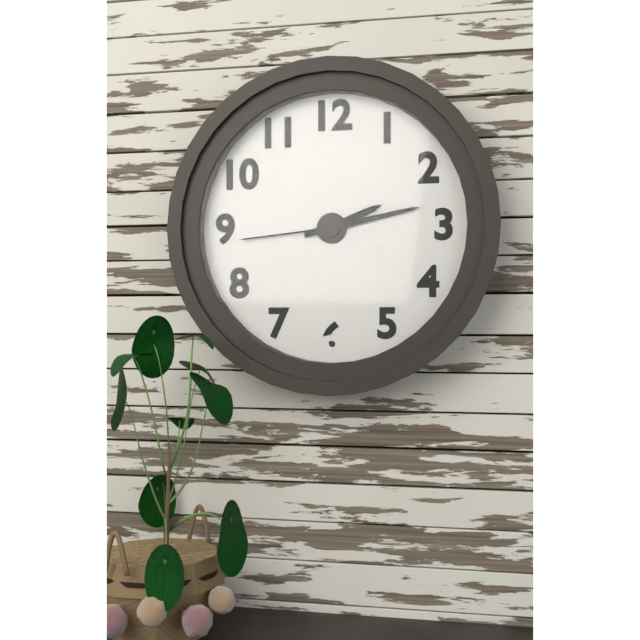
2:13:44
